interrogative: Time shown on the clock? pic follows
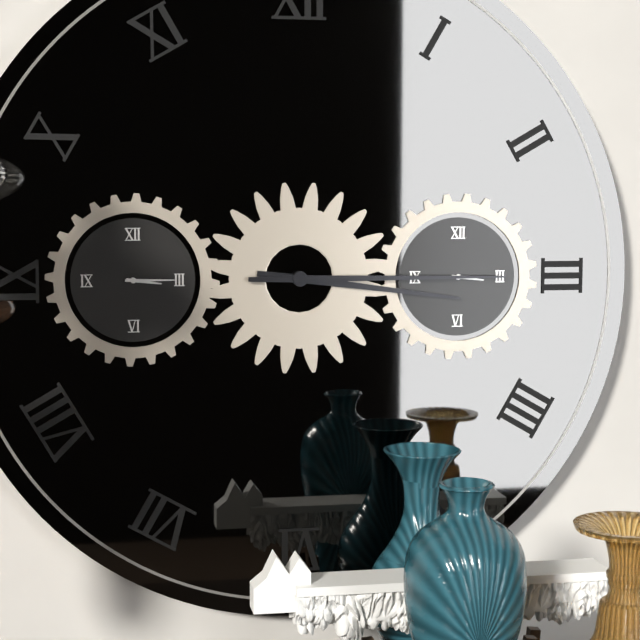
3:15
